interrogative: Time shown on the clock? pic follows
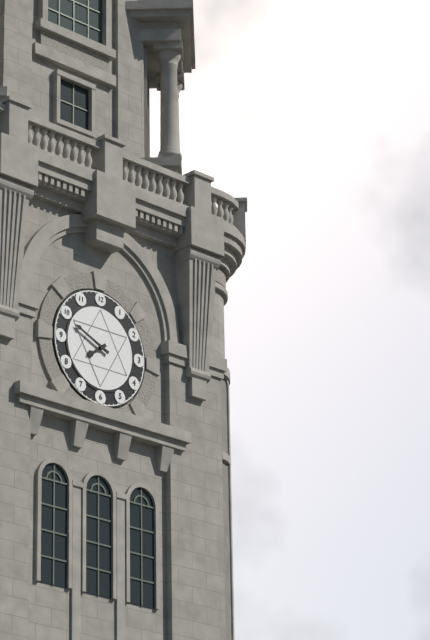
7:49
